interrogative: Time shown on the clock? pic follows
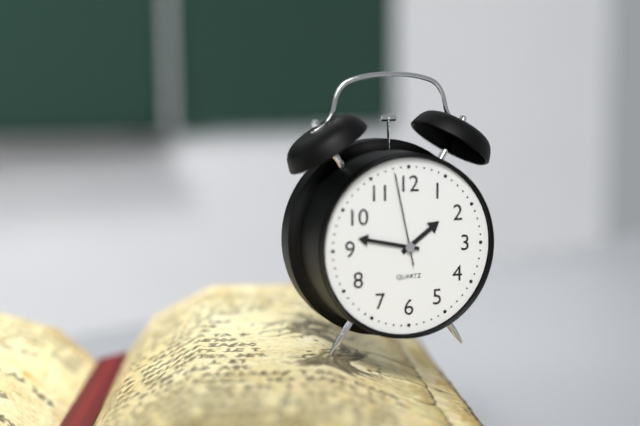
1:47:58
